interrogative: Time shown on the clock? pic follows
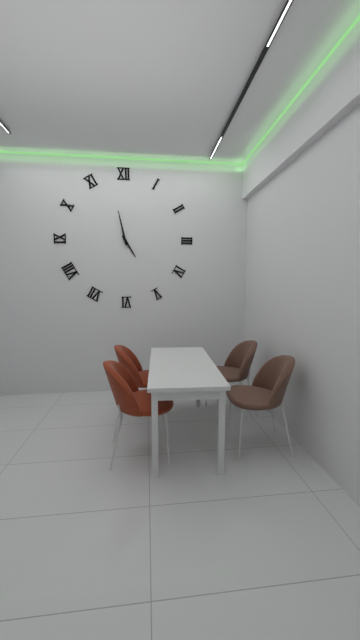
4:58
